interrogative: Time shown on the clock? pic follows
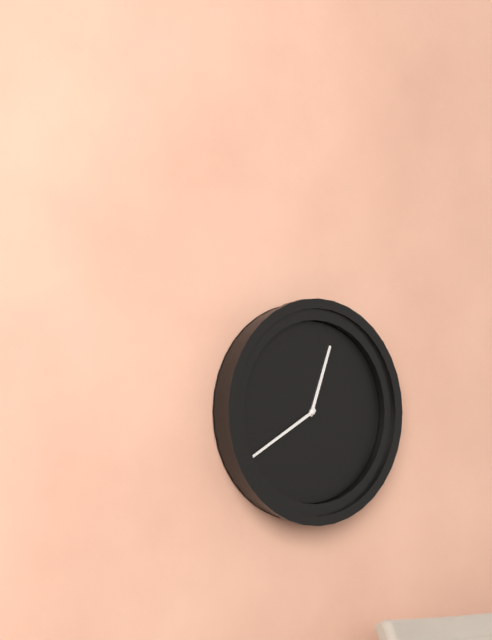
12:40
